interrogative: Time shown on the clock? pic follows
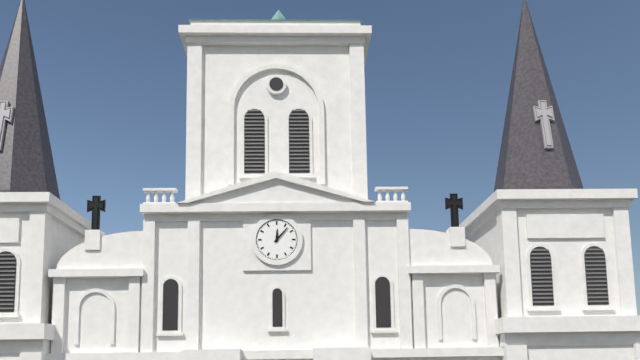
12:07
